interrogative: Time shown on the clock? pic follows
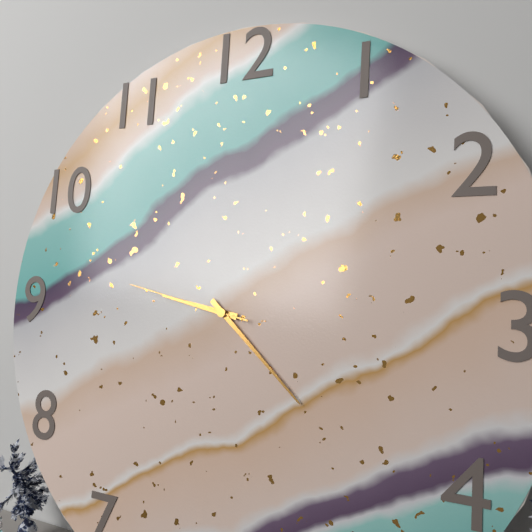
9:22:47
